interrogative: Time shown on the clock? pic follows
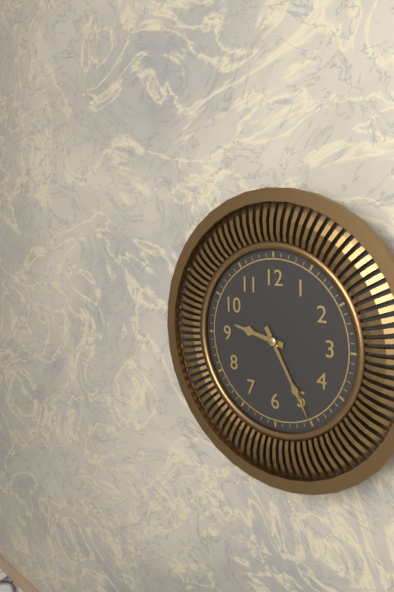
9:25
